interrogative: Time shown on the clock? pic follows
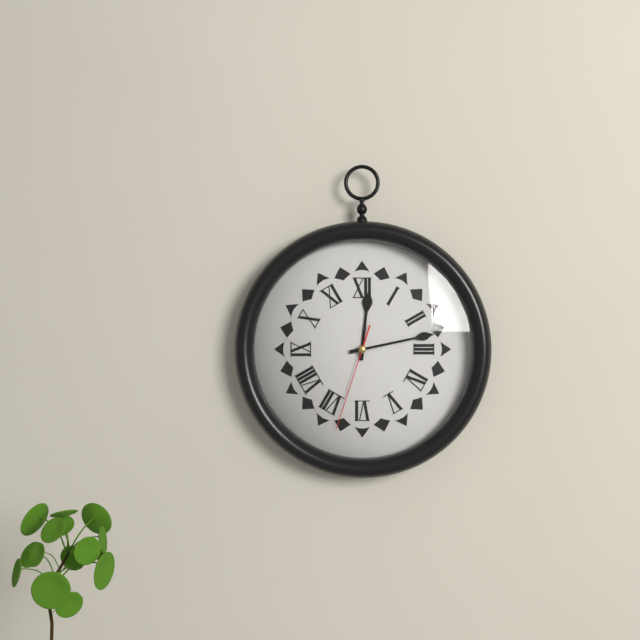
12:13:33
